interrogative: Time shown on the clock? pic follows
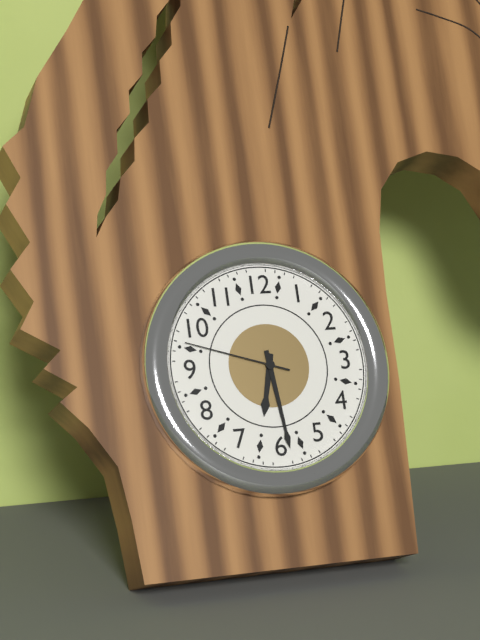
6:29:48
